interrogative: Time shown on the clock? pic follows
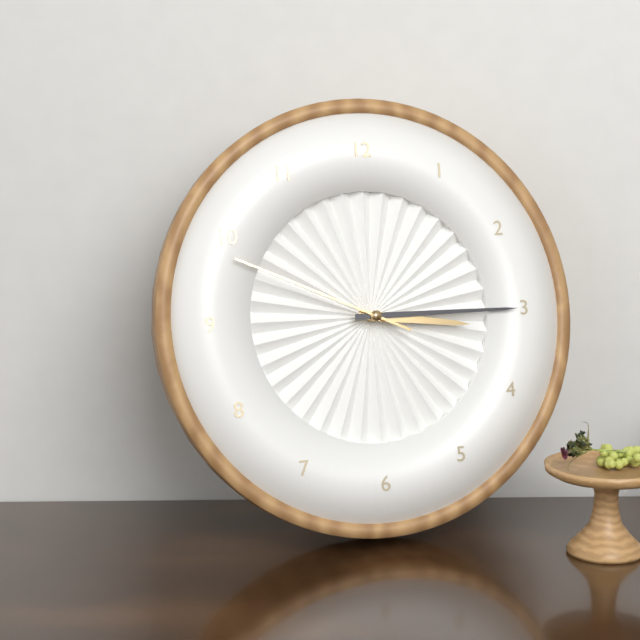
3:15:49
